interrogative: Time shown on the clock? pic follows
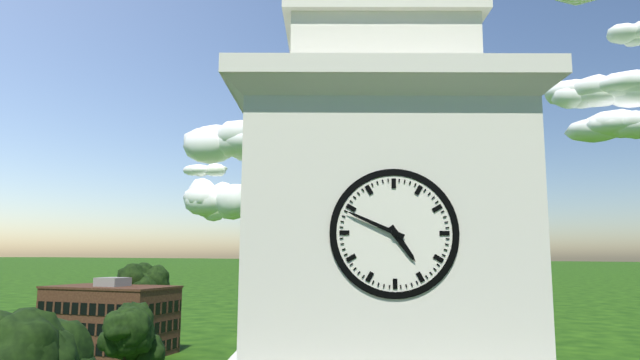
4:49
